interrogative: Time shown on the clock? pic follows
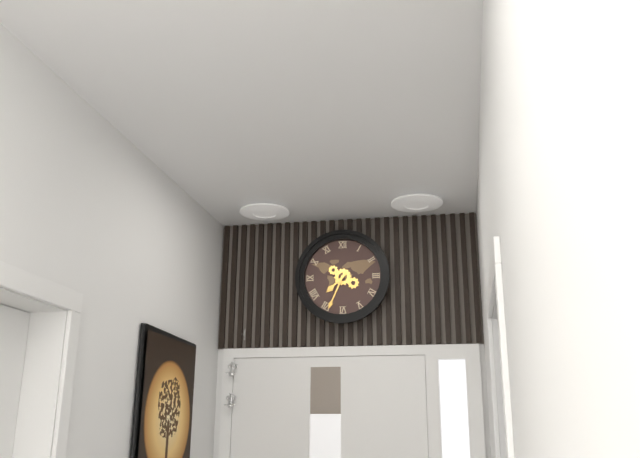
7:34
